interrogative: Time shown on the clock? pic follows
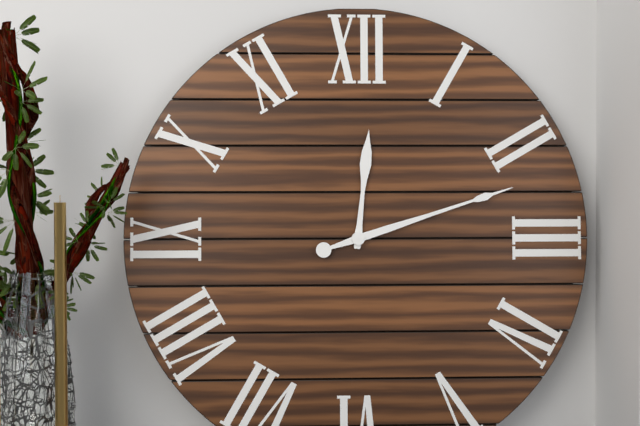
12:12
